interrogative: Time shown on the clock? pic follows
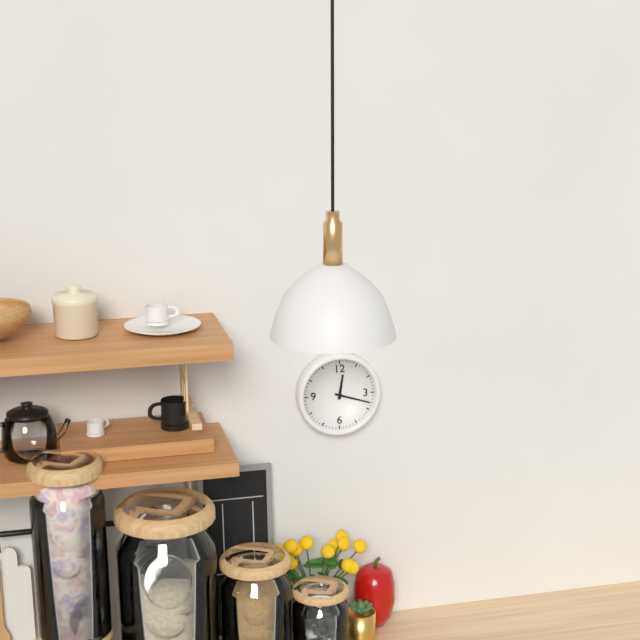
12:18
